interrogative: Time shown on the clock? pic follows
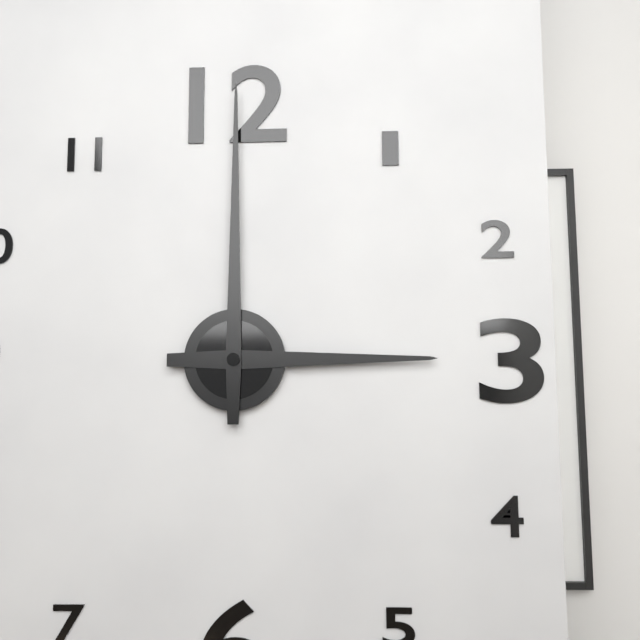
3:00
